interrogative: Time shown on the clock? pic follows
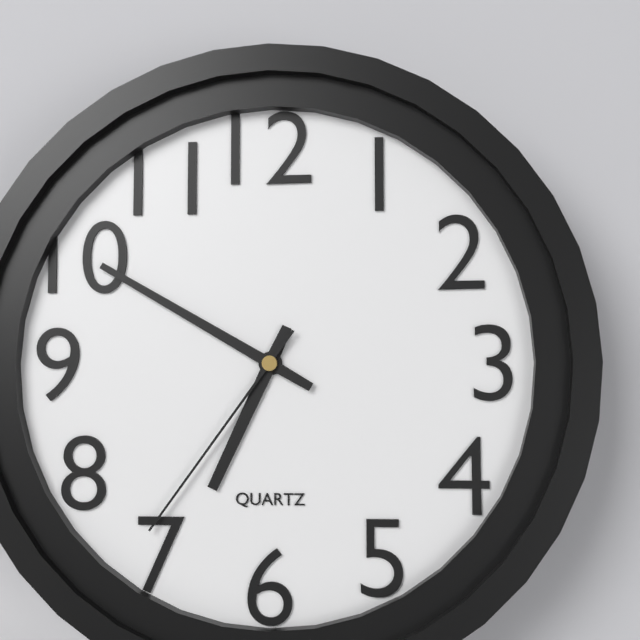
6:50:36
